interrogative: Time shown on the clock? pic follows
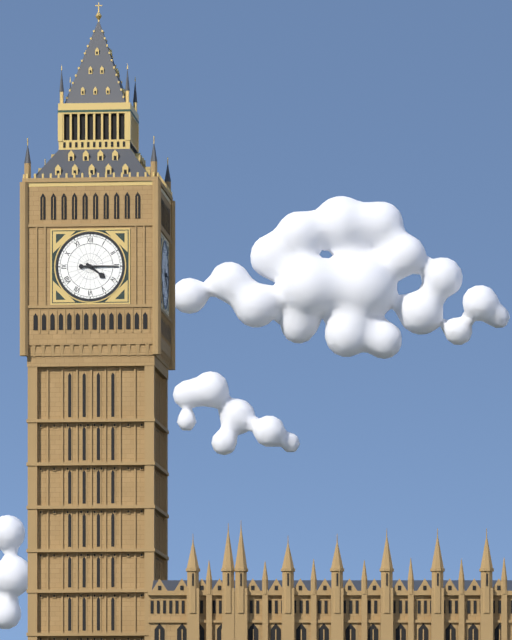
4:15
